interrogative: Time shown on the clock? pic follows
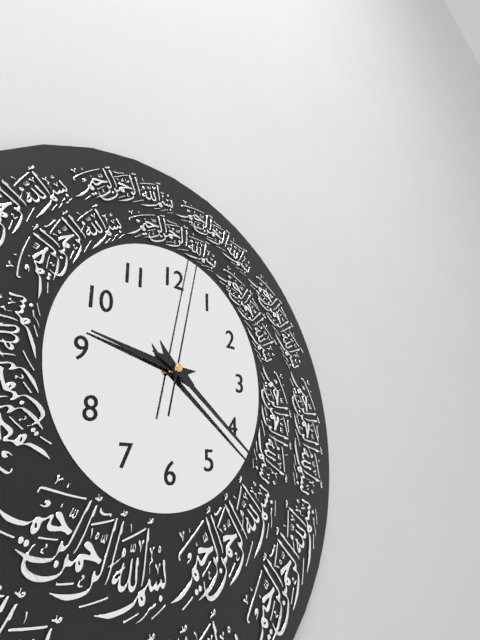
9:21:02
